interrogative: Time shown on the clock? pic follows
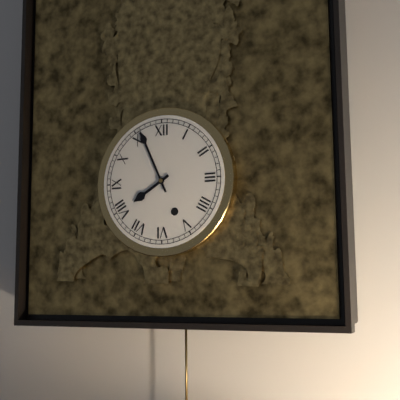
7:56
